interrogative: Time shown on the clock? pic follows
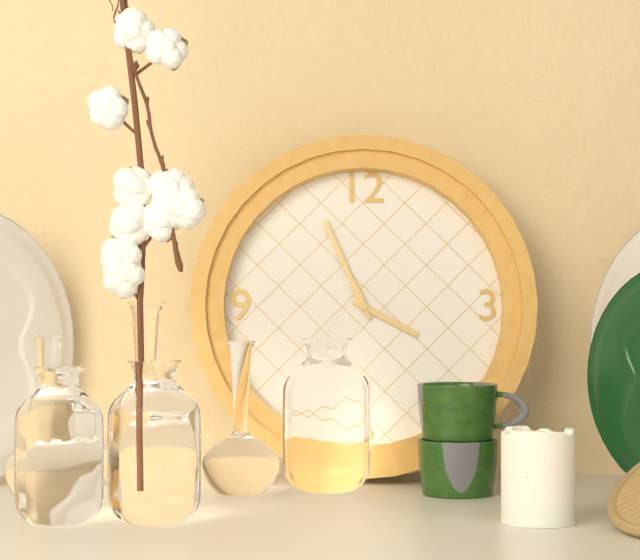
3:56
